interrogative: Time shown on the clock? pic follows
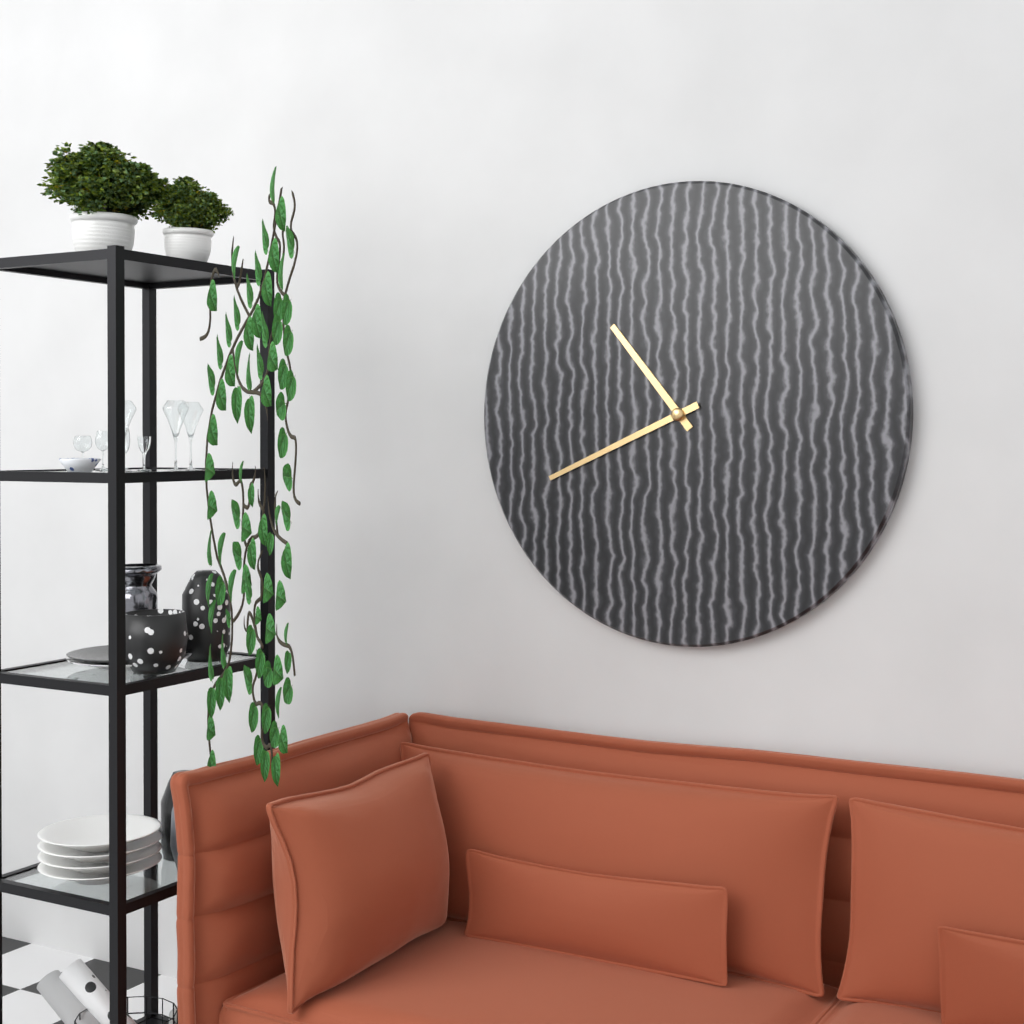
10:41
